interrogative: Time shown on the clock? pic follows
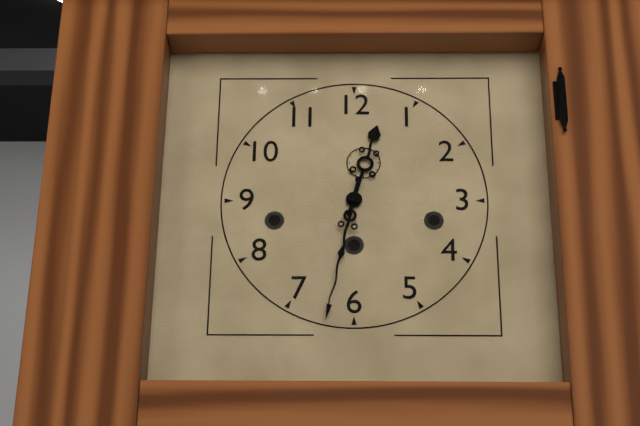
12:32
